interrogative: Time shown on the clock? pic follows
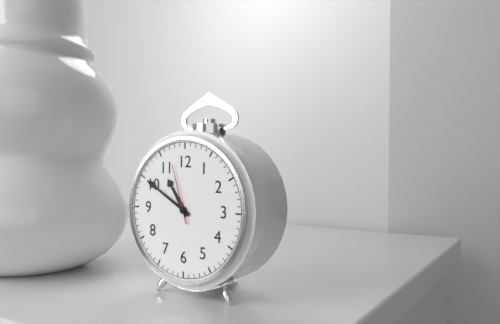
10:50:57
